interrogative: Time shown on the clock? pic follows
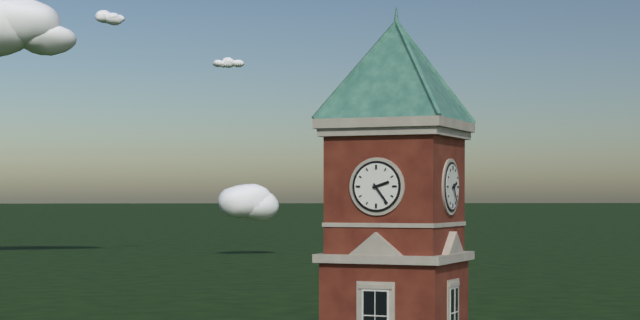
2:24
